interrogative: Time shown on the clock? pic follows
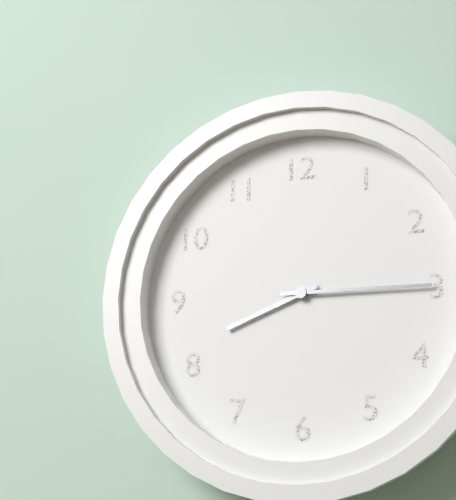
8:15
